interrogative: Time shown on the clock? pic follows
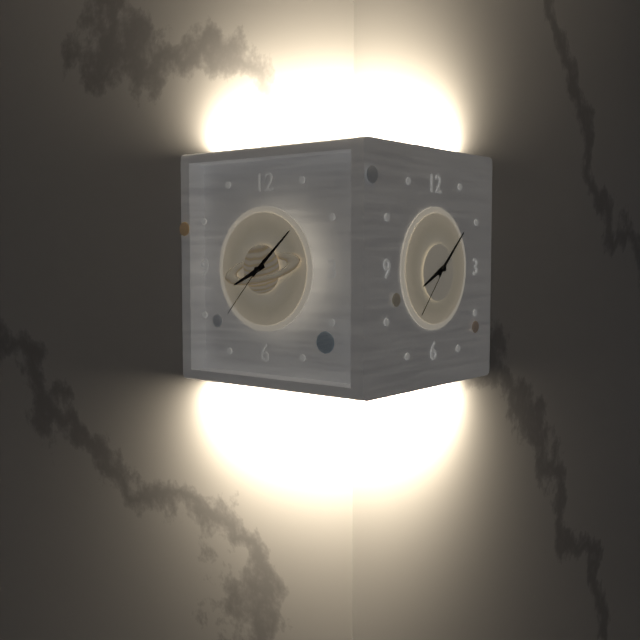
8:08:37
